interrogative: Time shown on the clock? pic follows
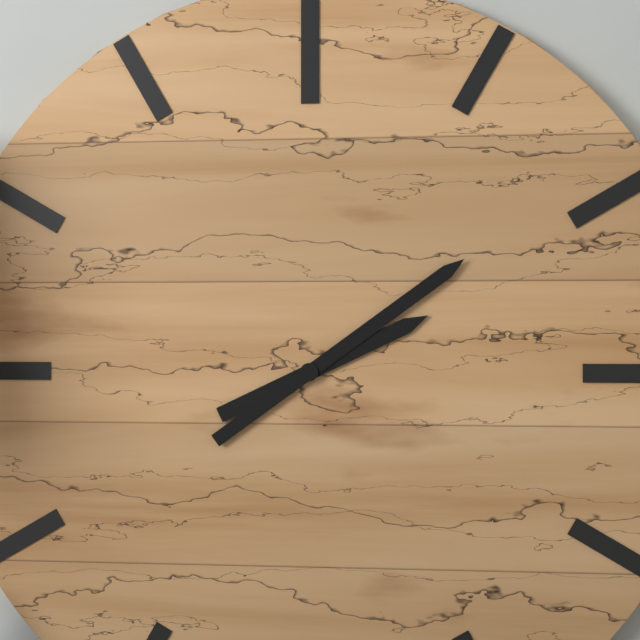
2:09
